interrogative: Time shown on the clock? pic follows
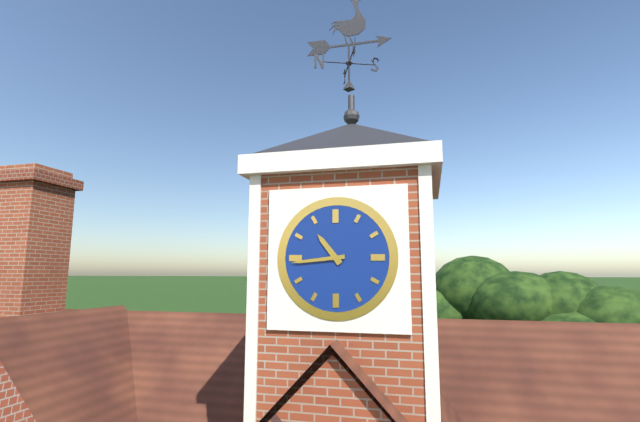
10:44
